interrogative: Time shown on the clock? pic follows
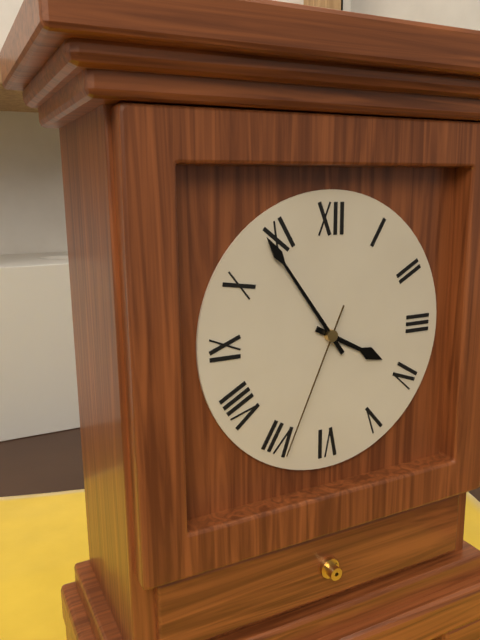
3:54:34
